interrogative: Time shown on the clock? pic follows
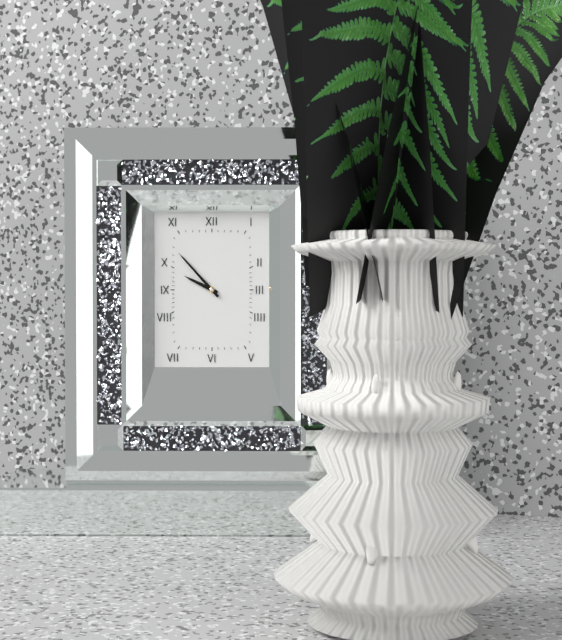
9:53
